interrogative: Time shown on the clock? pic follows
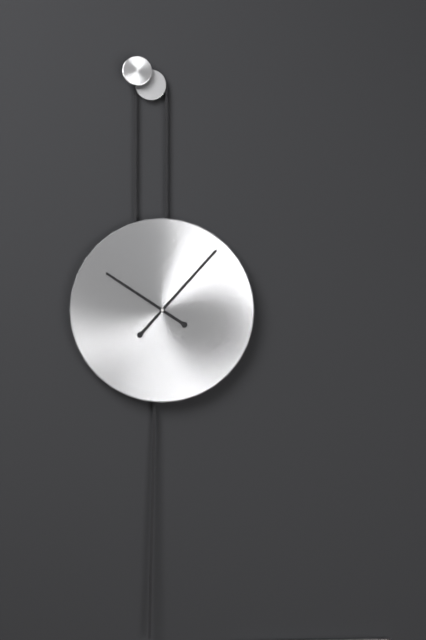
10:07
